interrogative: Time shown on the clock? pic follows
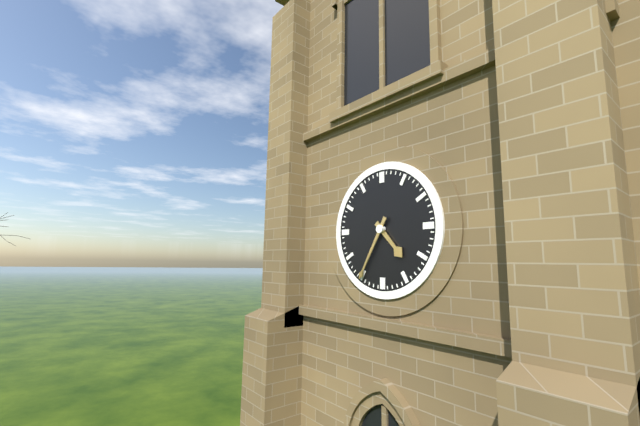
4:35
